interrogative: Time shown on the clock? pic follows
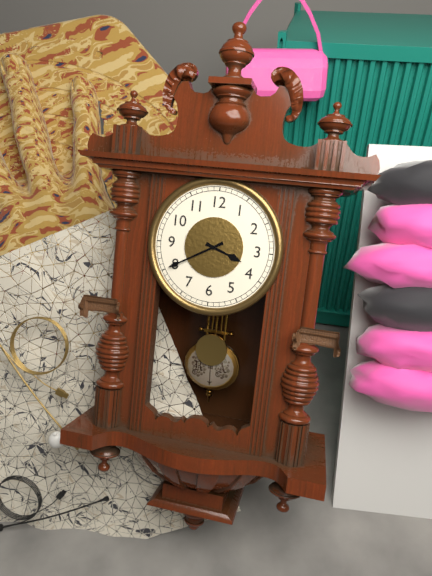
3:40
